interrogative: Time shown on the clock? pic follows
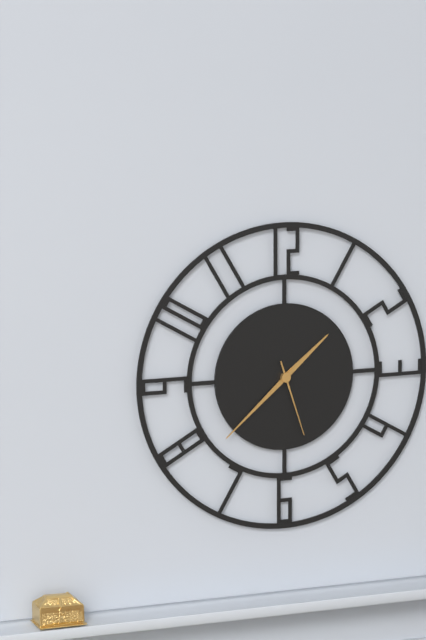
1:38:27
